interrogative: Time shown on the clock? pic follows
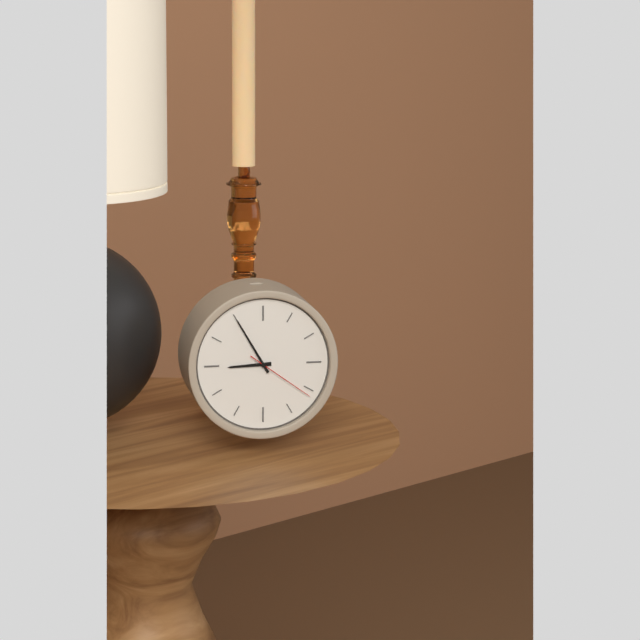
8:55:21
